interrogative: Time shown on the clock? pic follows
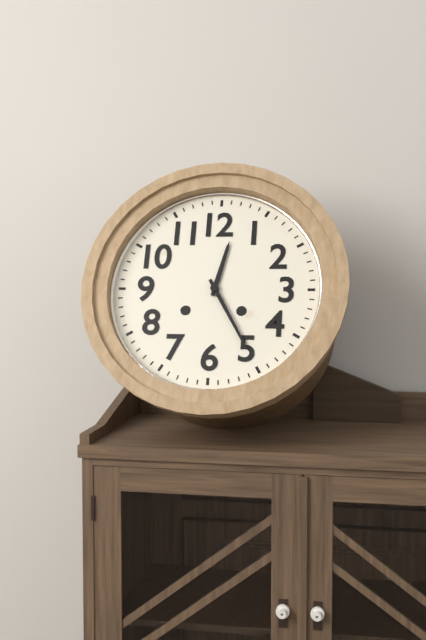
12:25
